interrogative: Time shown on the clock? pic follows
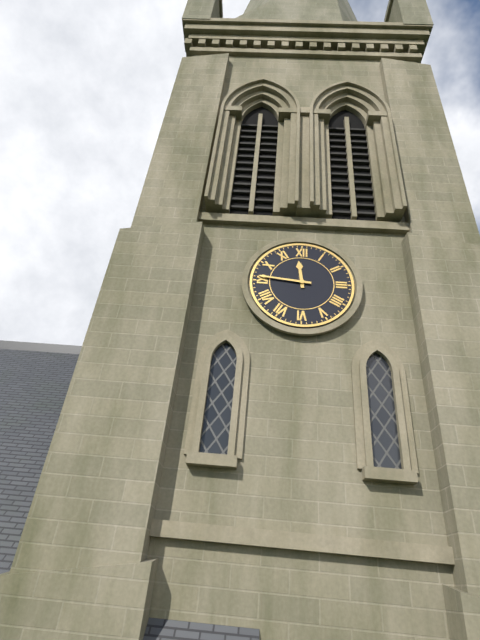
11:46
